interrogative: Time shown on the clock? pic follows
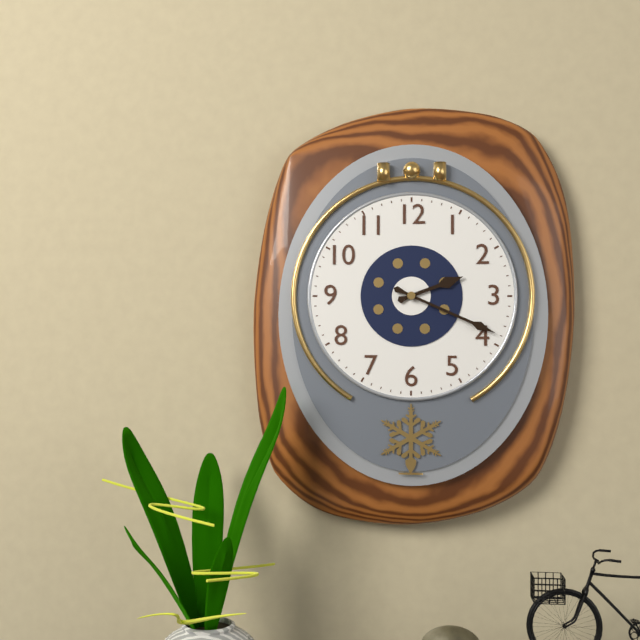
2:19
